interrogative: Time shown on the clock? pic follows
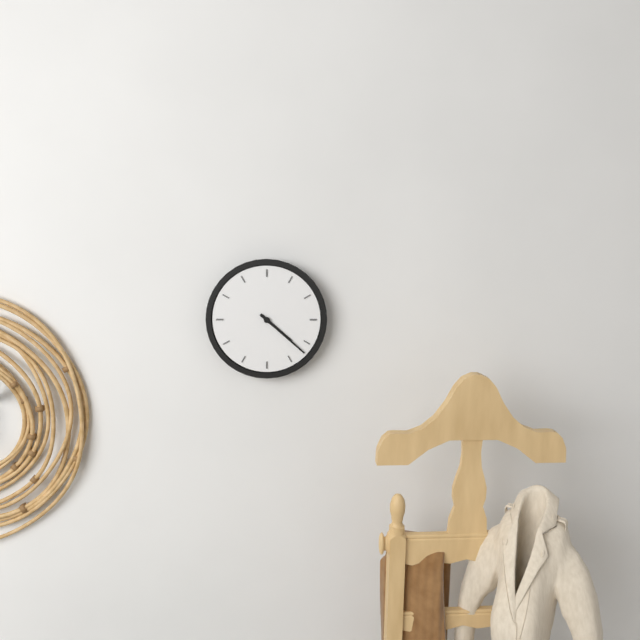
4:22
